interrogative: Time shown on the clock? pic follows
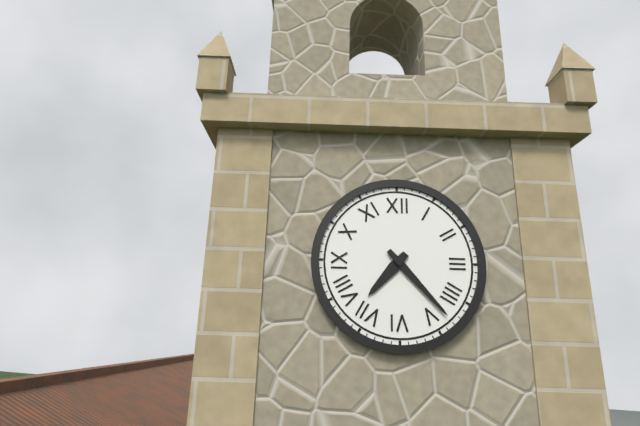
7:23
